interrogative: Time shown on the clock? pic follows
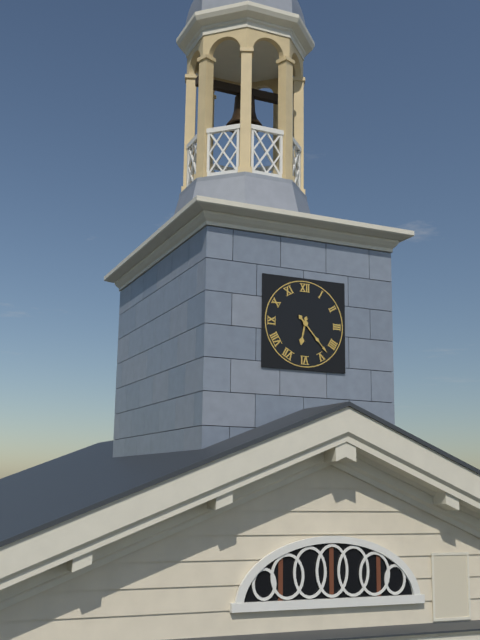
6:23
